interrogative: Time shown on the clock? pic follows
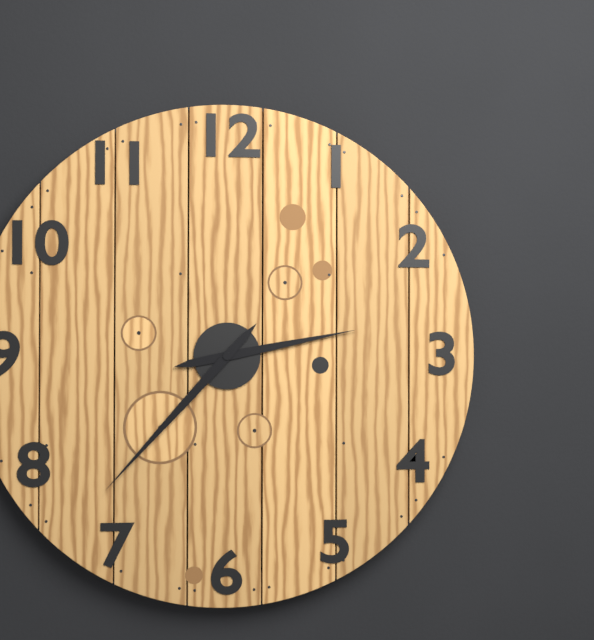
2:37
